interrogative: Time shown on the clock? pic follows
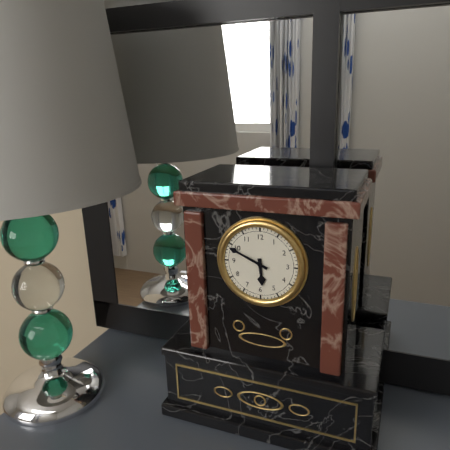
5:49
